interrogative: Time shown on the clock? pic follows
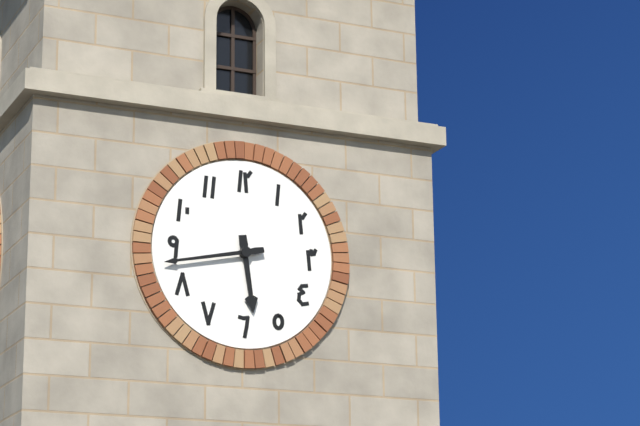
5:43
